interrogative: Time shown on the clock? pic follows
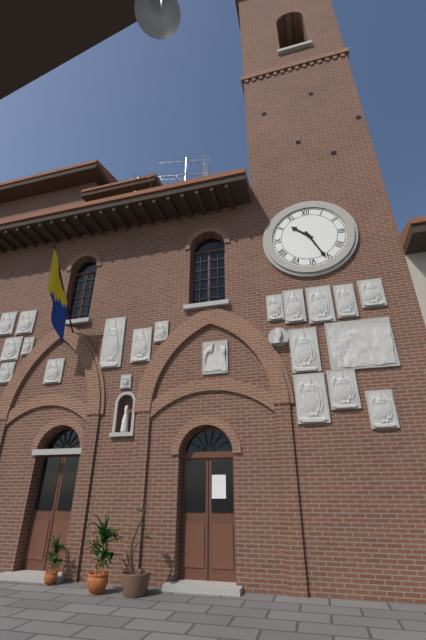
10:26
